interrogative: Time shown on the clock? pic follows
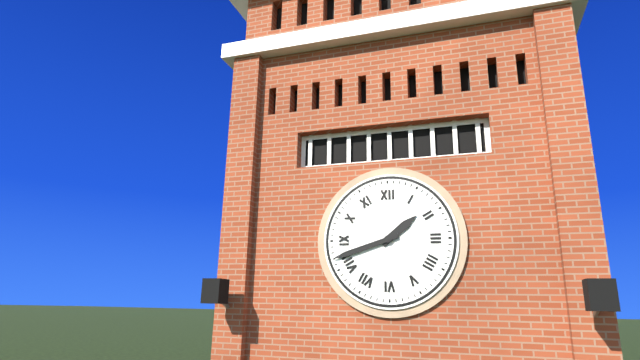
1:42
